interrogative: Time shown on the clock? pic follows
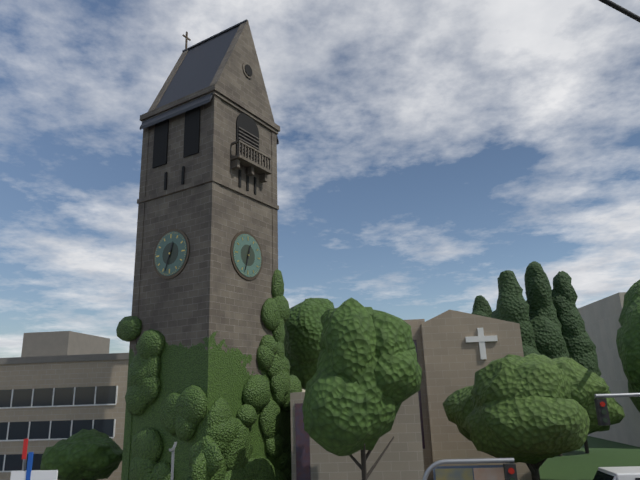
12:33
